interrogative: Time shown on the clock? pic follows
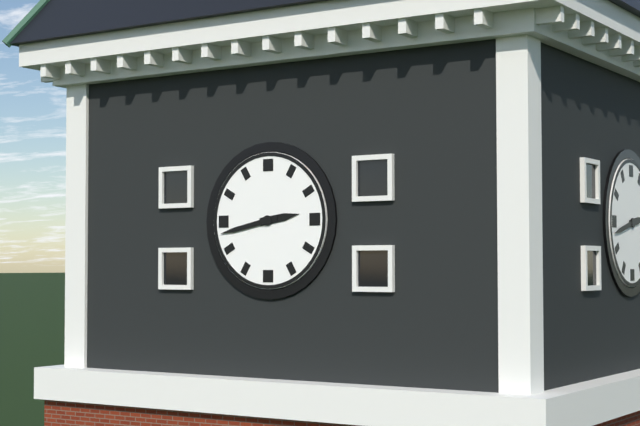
2:43
